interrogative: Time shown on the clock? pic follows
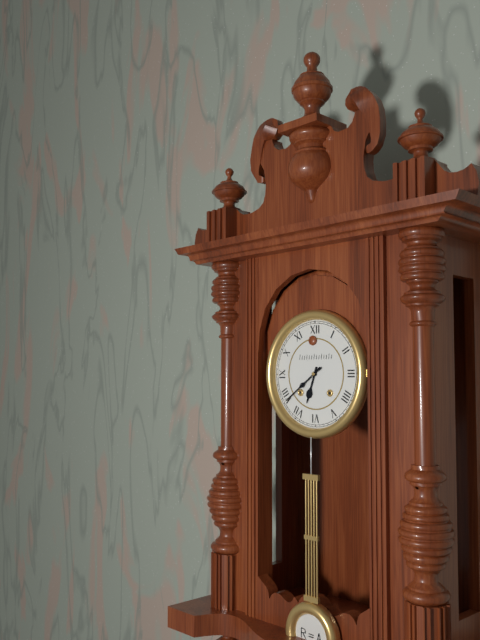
6:39
